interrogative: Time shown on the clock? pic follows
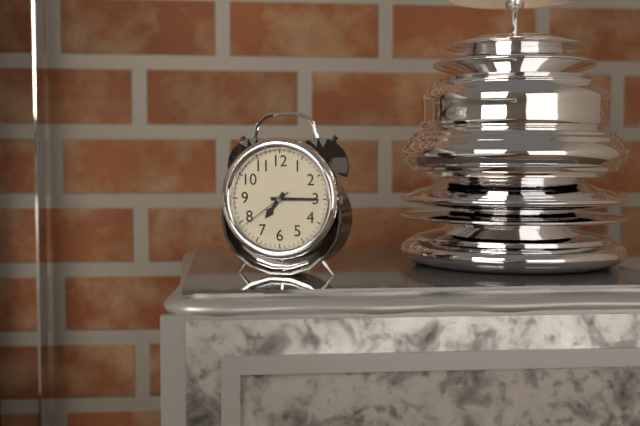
7:15:39
